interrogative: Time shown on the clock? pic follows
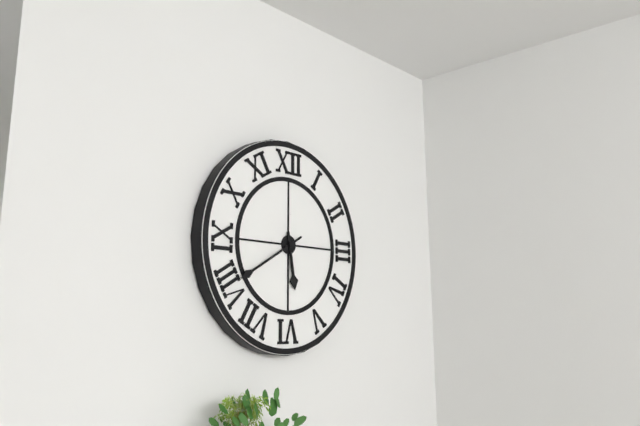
5:40
